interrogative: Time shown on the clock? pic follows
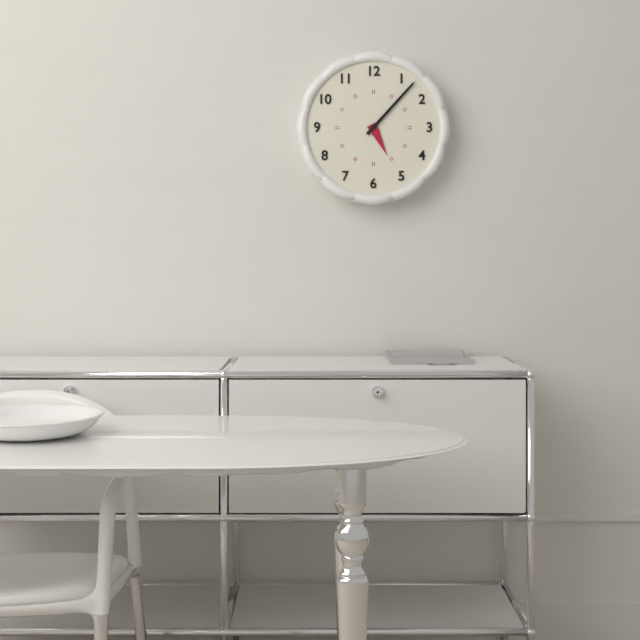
5:07
